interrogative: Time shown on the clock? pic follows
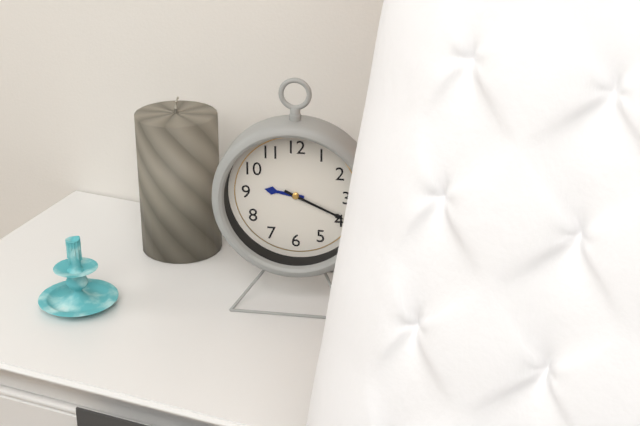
9:19
